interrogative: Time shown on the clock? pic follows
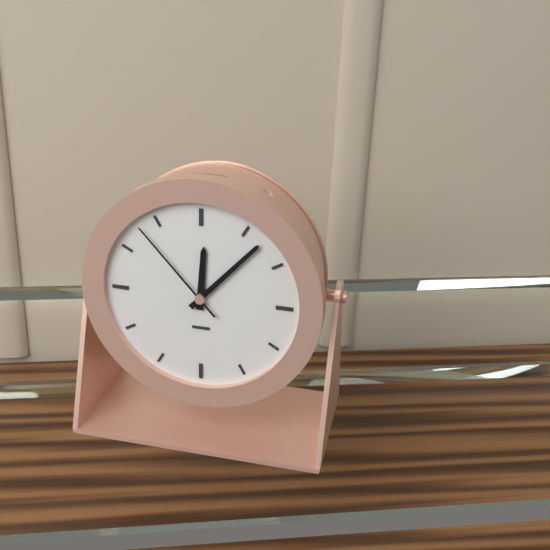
12:07:53
